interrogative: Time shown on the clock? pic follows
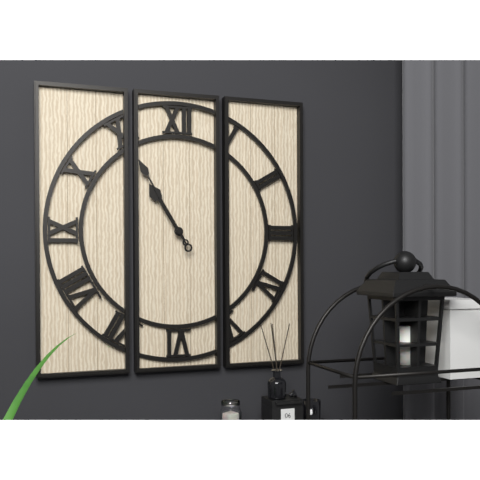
10:55
